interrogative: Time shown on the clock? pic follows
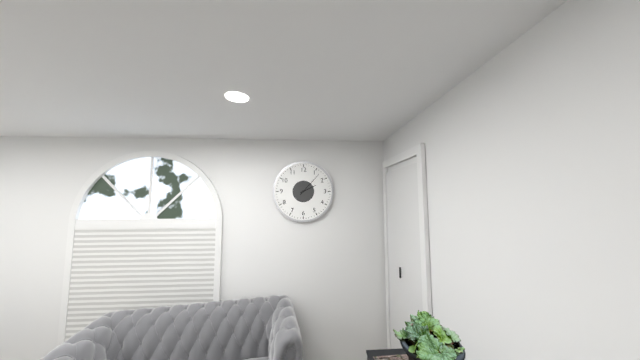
2:07
